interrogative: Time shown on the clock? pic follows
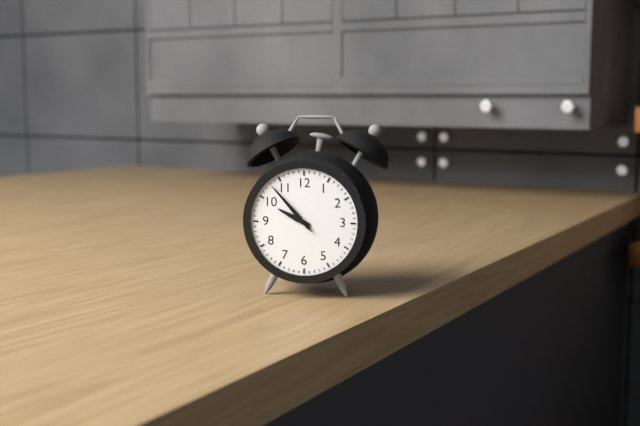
9:53:53
